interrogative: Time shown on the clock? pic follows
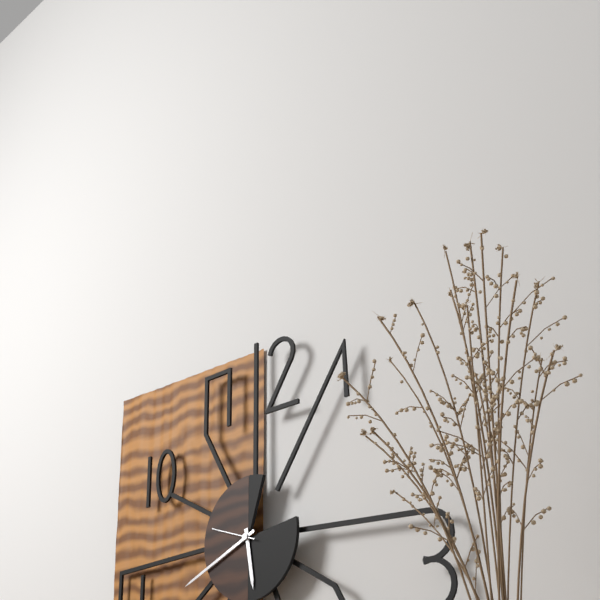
5:41:48
